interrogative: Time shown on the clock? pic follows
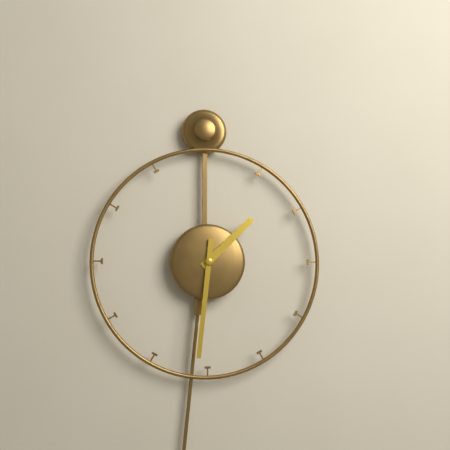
1:31
